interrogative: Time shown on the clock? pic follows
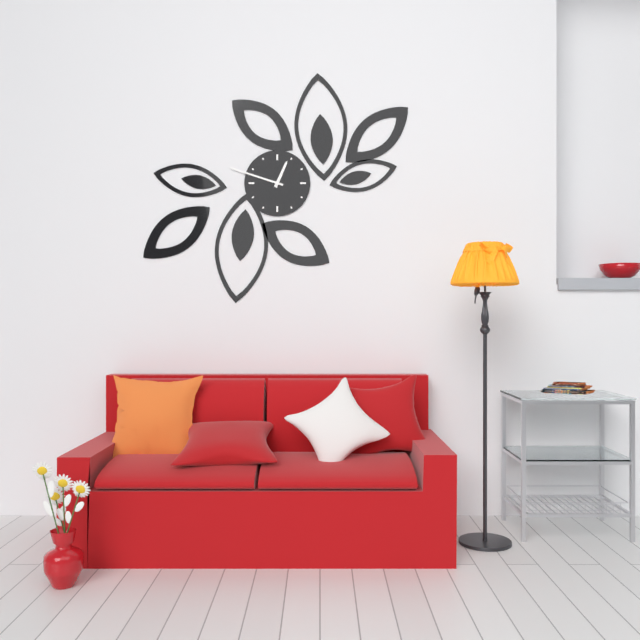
12:48
